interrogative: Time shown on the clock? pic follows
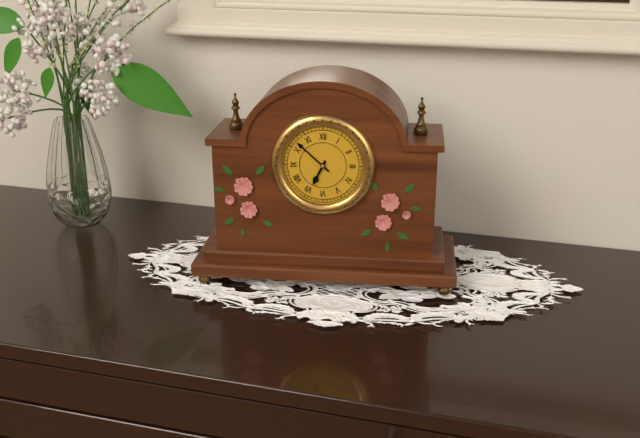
6:52
